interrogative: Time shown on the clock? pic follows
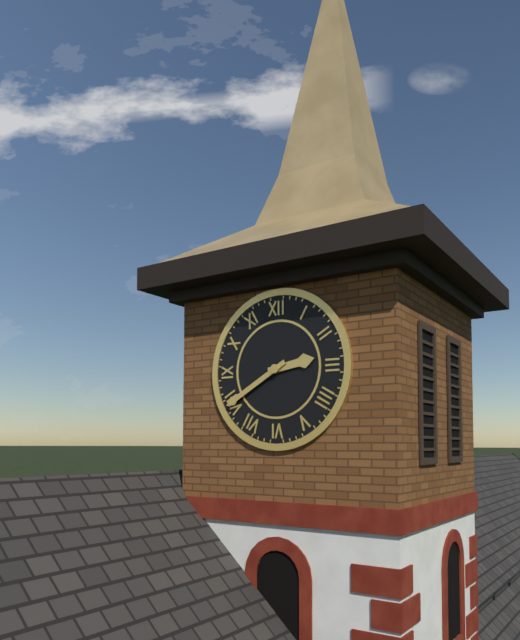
2:40
